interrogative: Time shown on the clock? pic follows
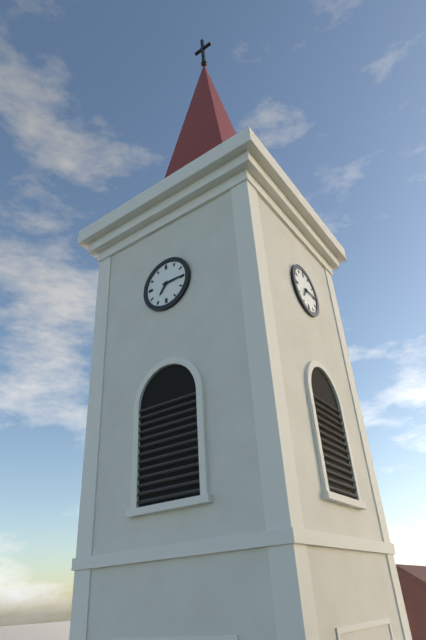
7:15
